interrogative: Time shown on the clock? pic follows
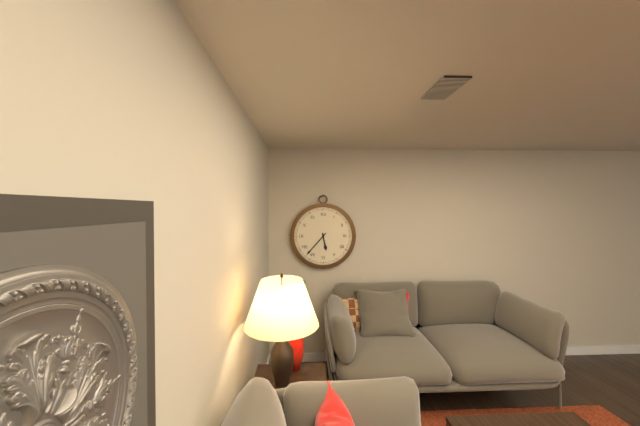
5:37
